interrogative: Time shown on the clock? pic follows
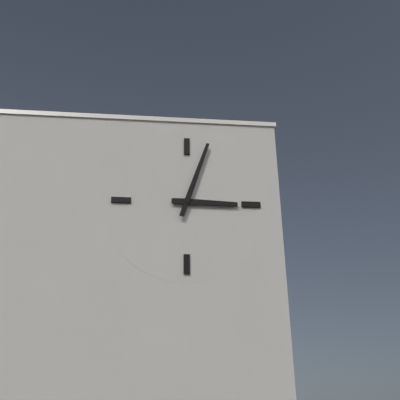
3:03
